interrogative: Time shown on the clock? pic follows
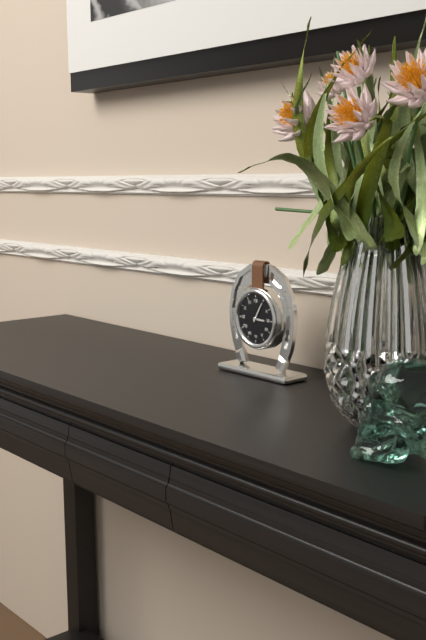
3:05
